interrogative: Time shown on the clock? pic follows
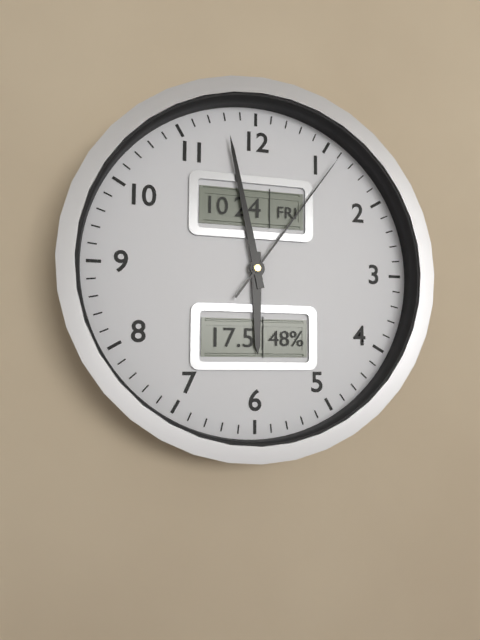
5:58:06
